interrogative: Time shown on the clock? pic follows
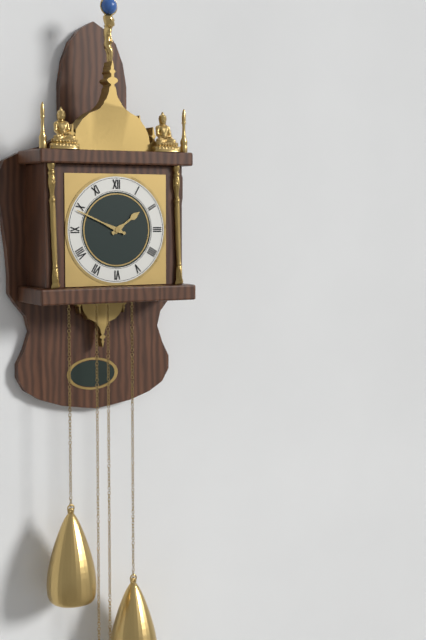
1:49
